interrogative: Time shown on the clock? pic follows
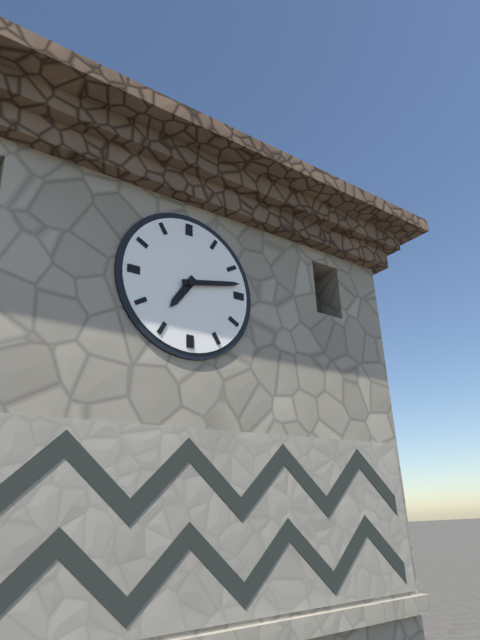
7:13
